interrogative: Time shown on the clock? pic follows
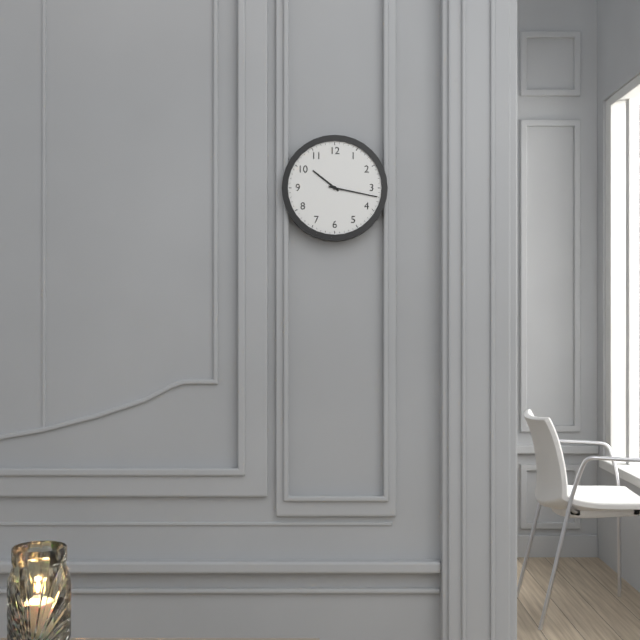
10:17
